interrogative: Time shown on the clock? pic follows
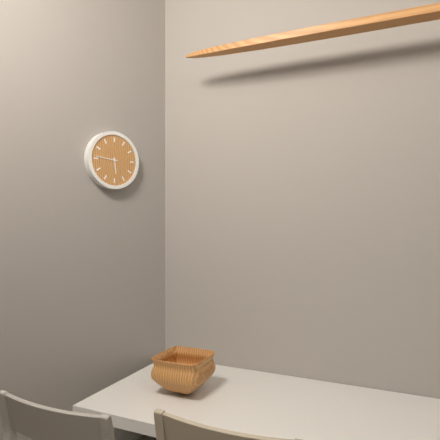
5:46
